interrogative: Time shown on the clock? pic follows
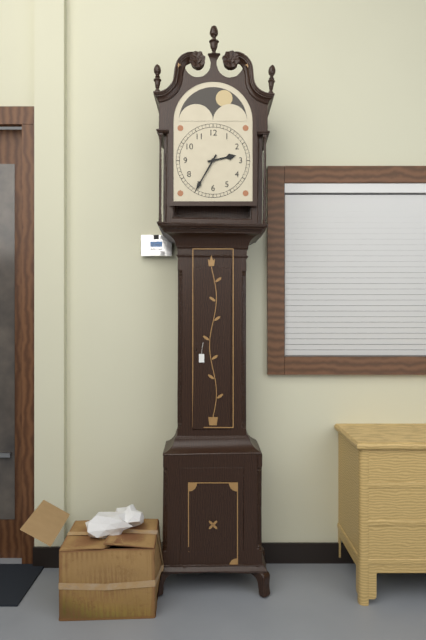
2:35
